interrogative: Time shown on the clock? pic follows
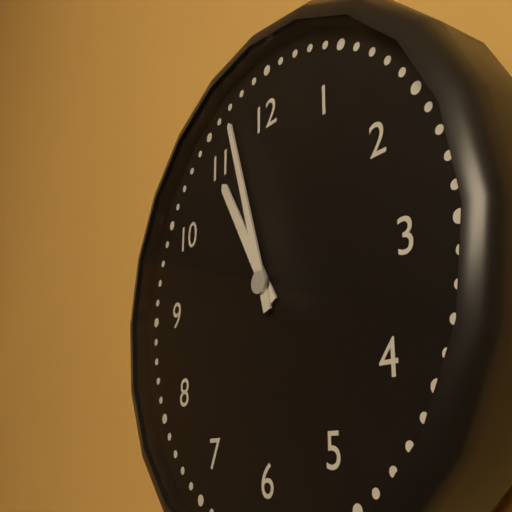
10:57
